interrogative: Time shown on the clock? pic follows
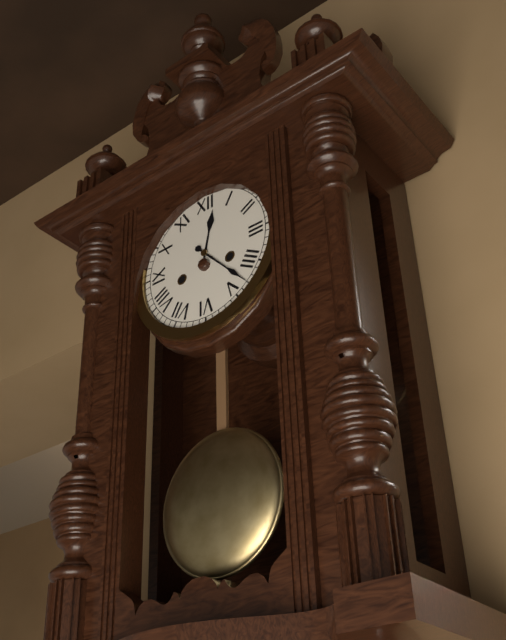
12:23
